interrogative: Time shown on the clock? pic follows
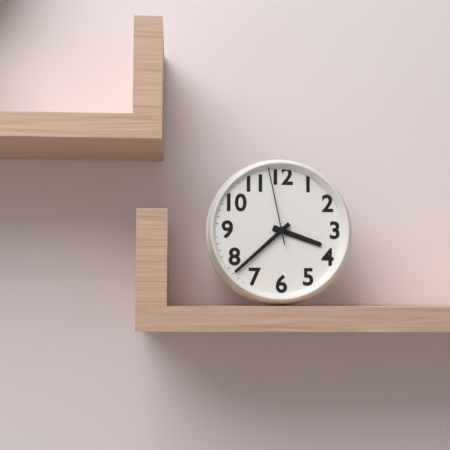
3:38:58
